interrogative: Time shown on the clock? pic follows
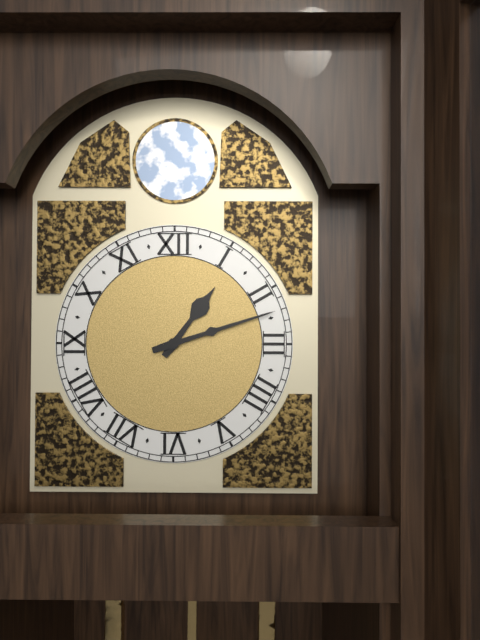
1:12
